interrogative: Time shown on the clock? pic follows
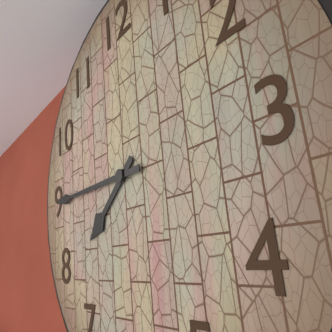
7:45
